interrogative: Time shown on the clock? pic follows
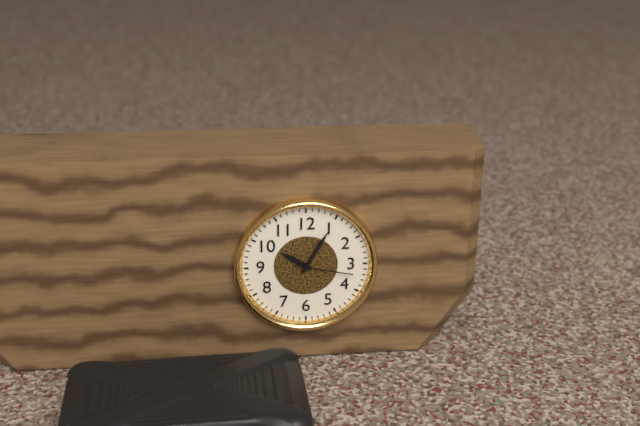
10:05:17
